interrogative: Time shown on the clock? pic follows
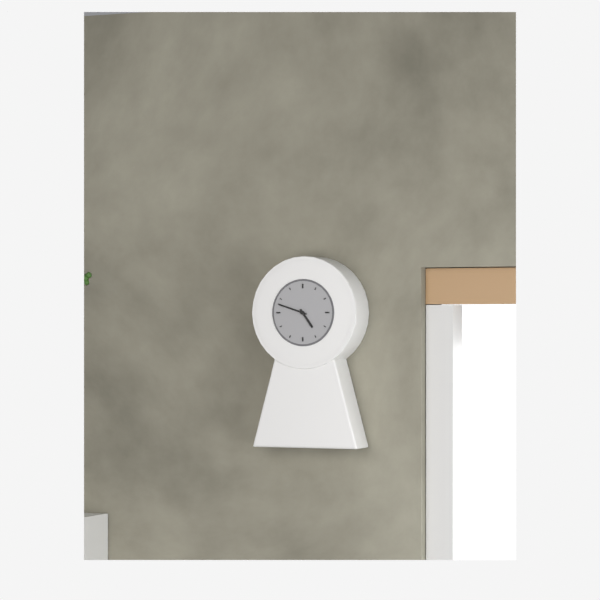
4:48
